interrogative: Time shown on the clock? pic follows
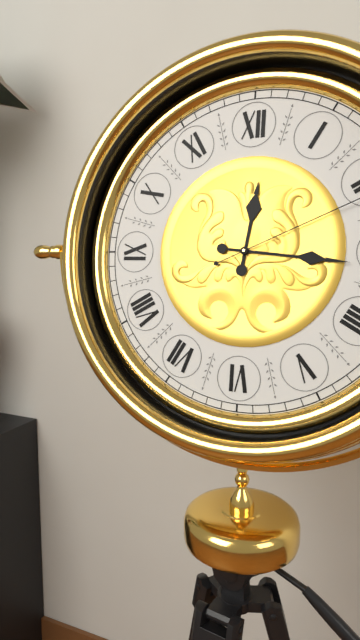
12:16
